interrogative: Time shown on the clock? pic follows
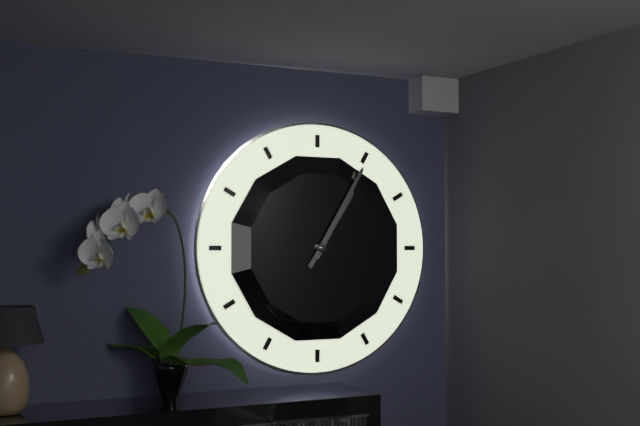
1:05
